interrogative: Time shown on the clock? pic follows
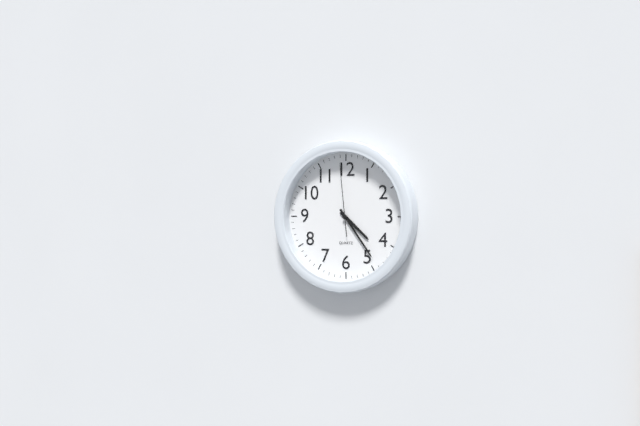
4:24:59
